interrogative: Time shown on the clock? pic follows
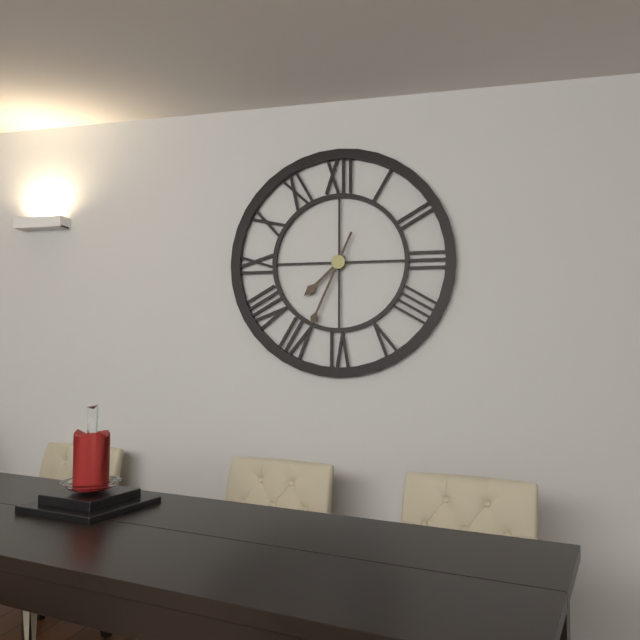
7:34
